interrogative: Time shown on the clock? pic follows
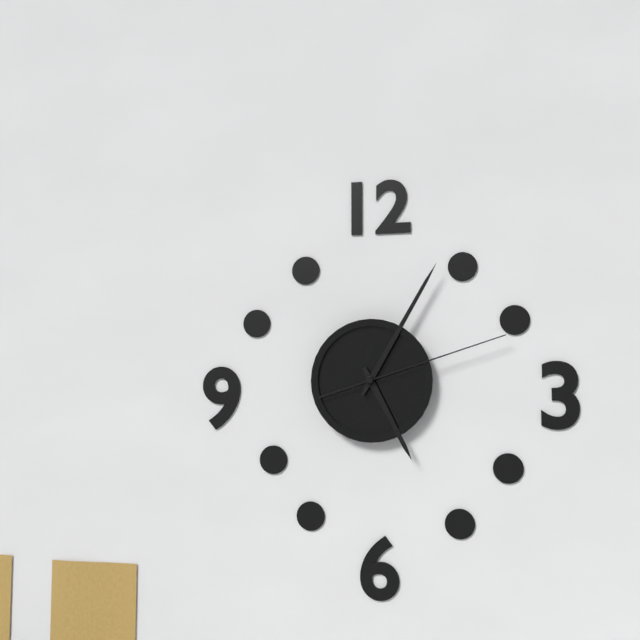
5:05:12
